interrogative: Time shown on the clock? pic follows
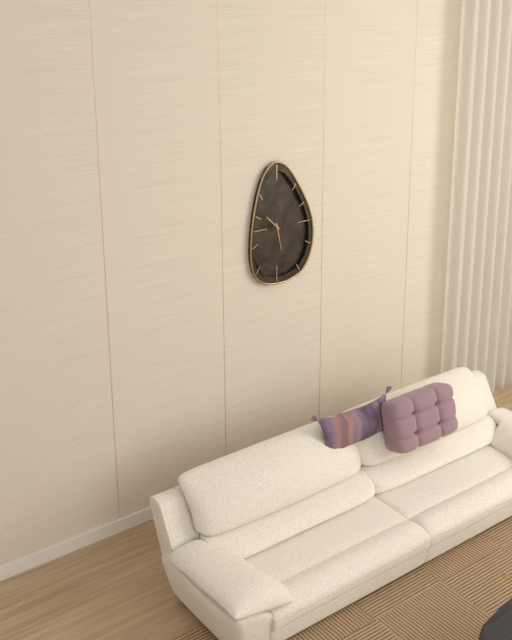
10:28
